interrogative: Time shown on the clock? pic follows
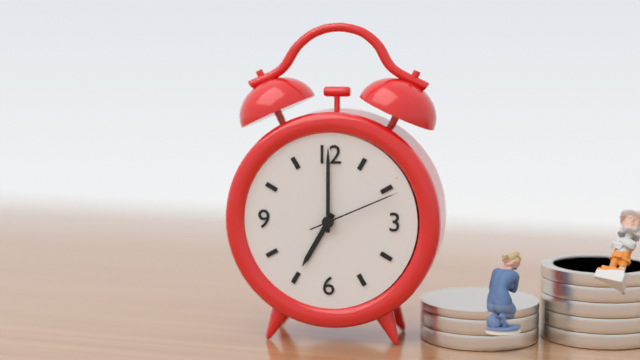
7:00:11
